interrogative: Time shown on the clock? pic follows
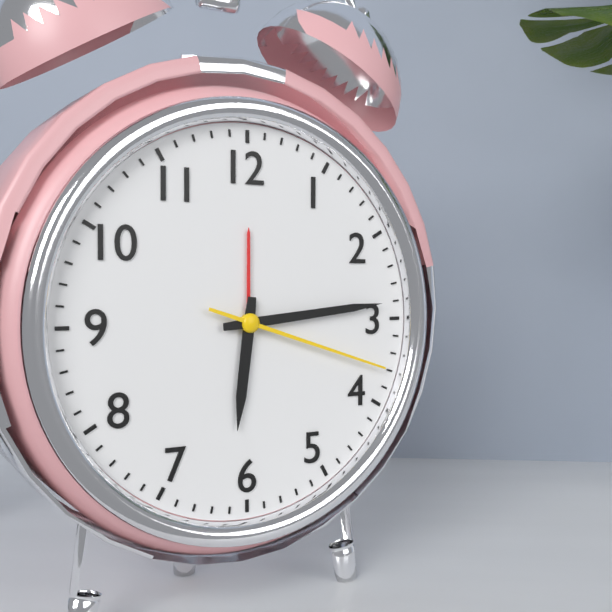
6:14:18
